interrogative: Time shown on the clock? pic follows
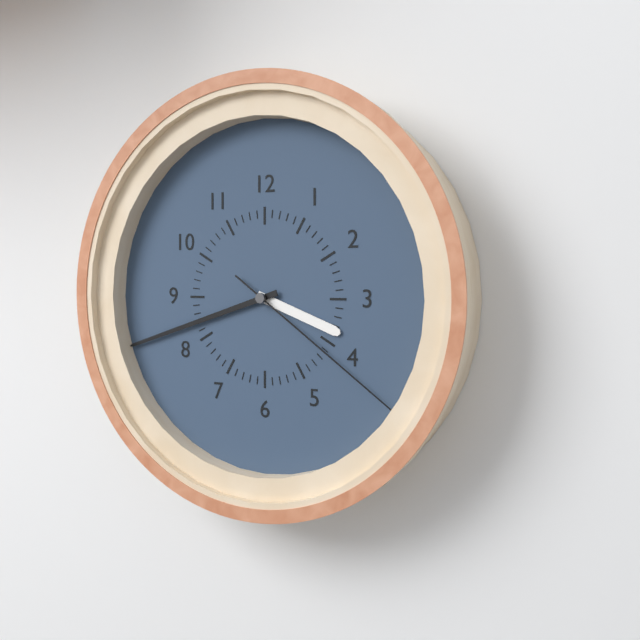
3:42:21
